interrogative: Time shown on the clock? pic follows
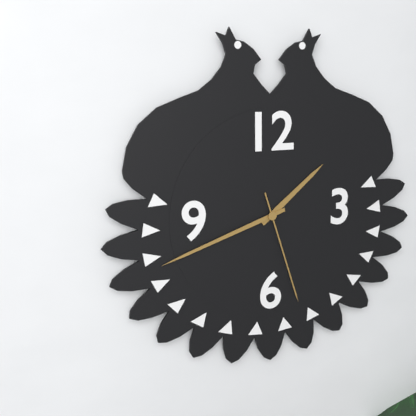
1:42:27
